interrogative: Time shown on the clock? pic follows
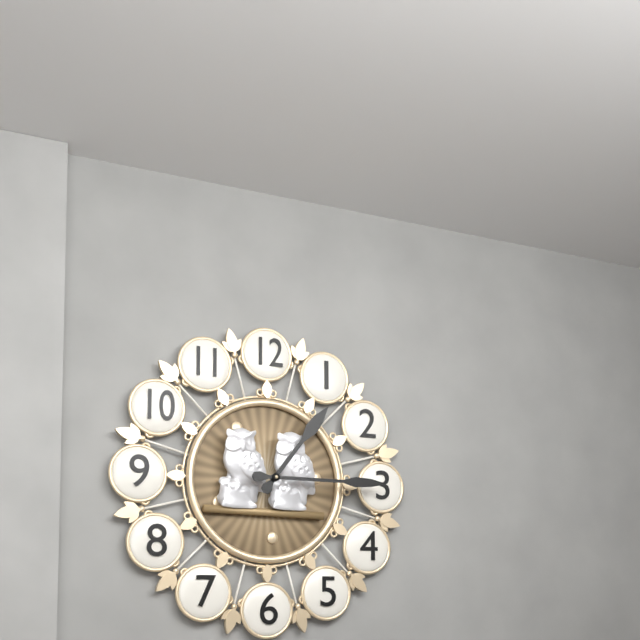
1:15
